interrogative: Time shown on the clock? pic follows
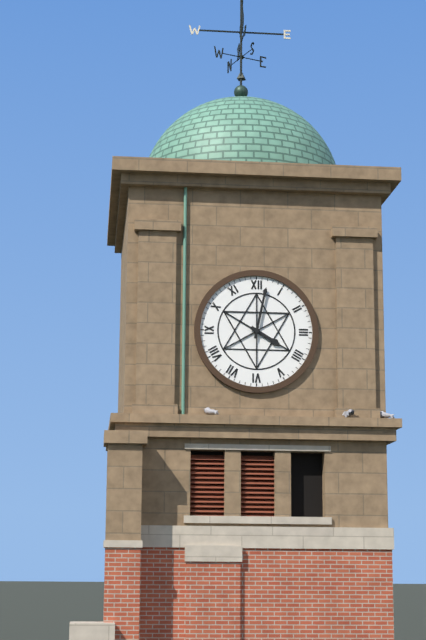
4:02
